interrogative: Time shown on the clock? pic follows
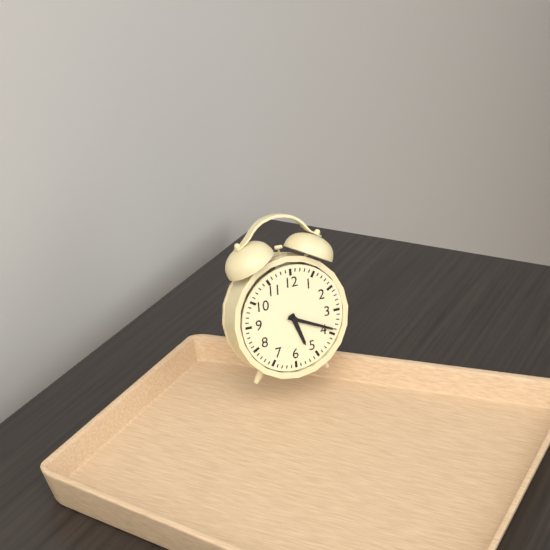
5:19
